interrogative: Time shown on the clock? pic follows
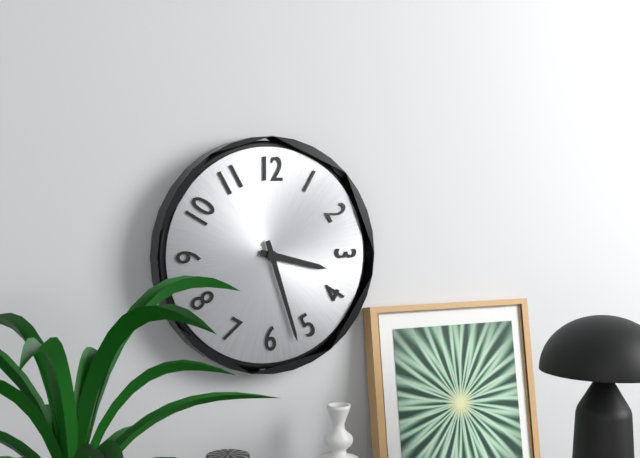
3:27
